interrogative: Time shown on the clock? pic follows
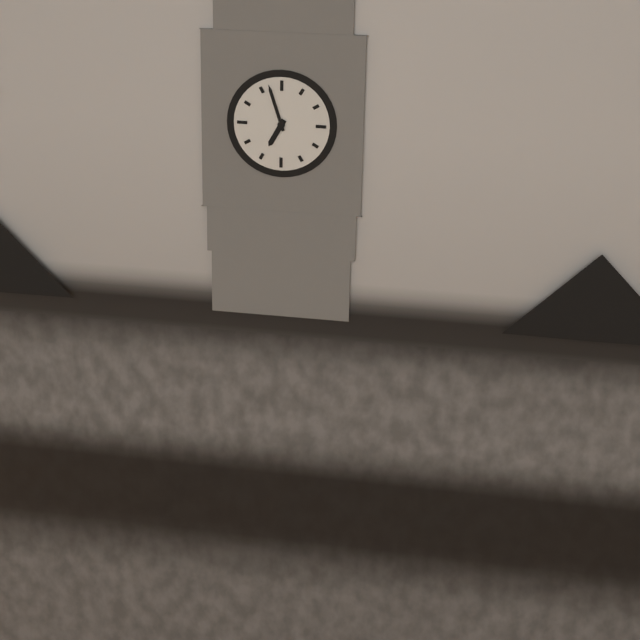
6:57
